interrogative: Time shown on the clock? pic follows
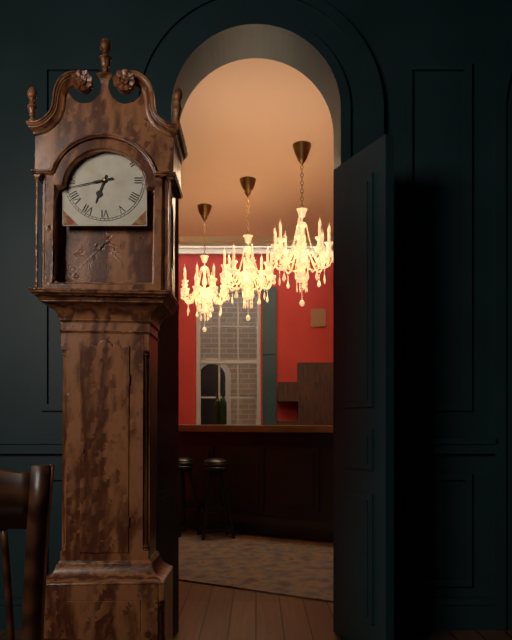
6:43
